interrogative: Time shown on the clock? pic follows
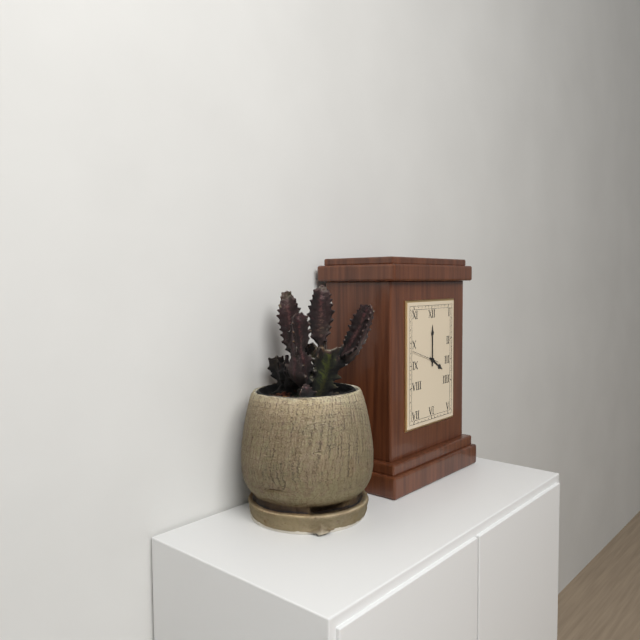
4:00:48
